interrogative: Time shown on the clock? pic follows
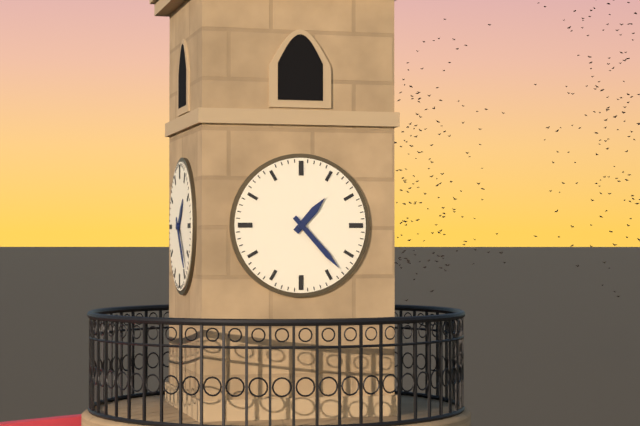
1:23
